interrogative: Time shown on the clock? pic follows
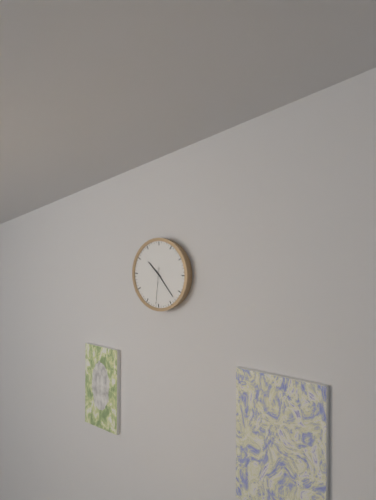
10:23
